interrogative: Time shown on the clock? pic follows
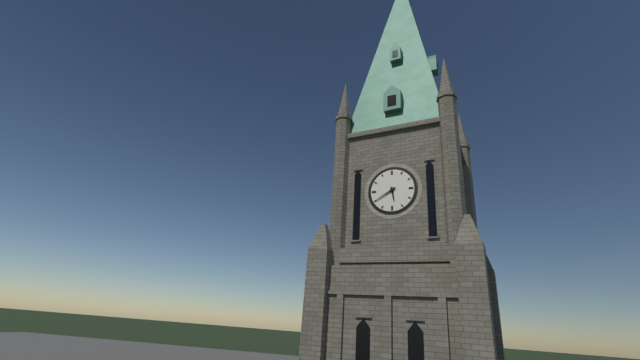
5:40
